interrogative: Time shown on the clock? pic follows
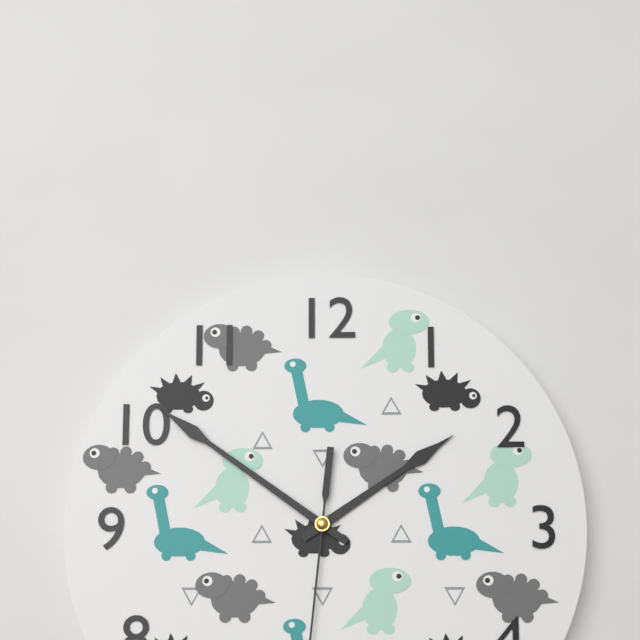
1:51
